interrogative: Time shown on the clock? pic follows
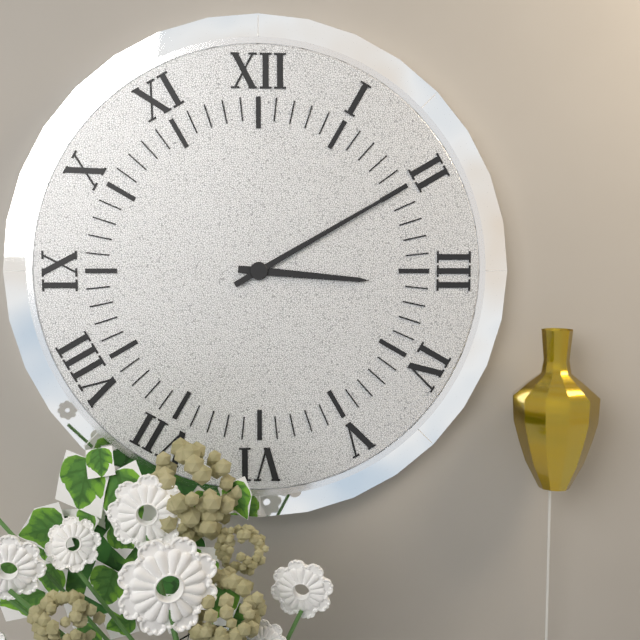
3:10
